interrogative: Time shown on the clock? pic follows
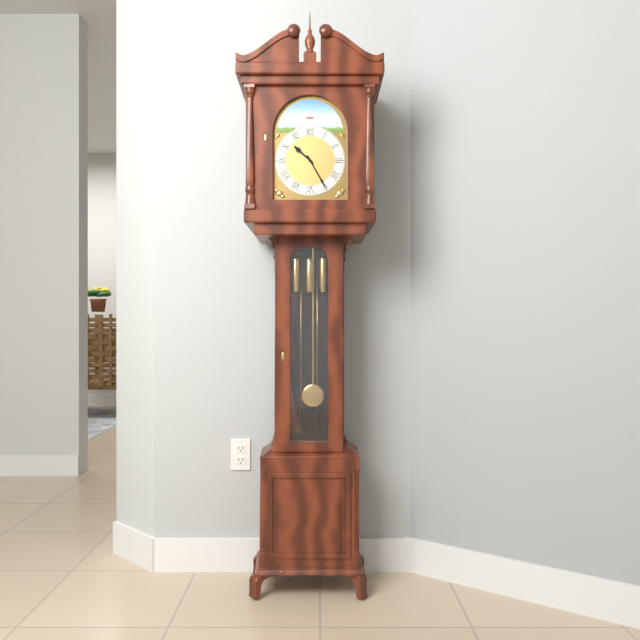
10:25
